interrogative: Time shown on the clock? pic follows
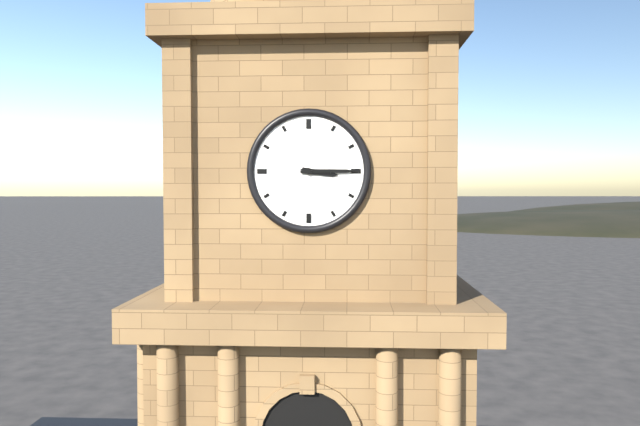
3:15
